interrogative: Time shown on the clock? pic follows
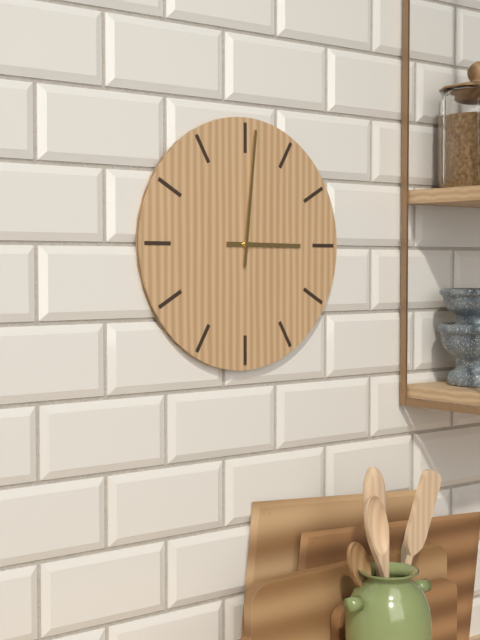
3:01
